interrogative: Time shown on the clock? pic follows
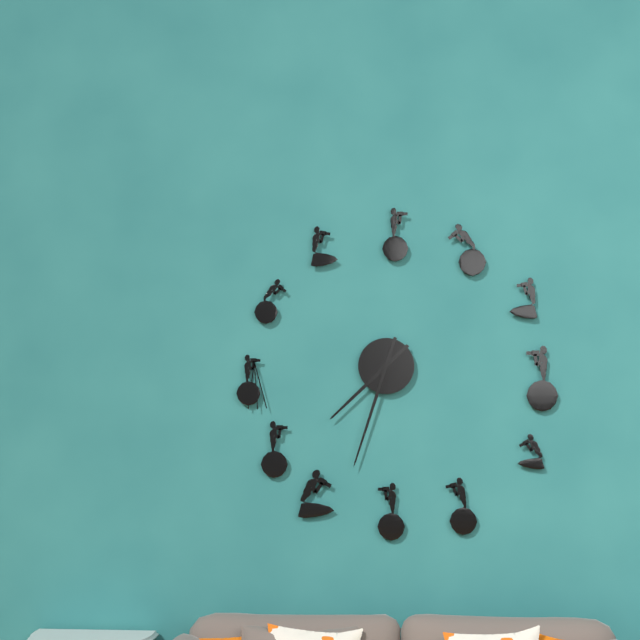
7:33
